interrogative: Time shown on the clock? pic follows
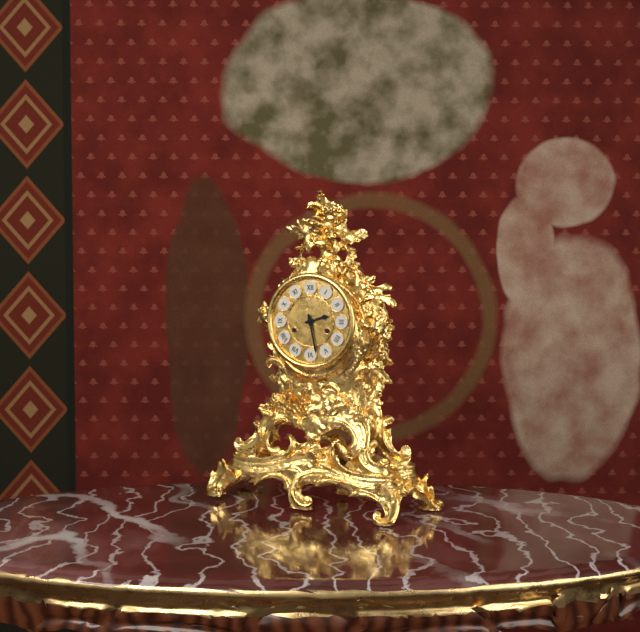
2:28
